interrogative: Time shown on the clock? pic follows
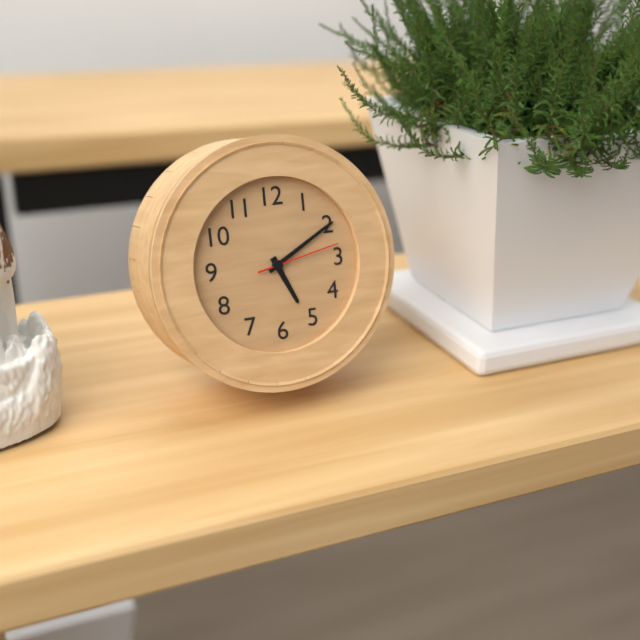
5:10:13
